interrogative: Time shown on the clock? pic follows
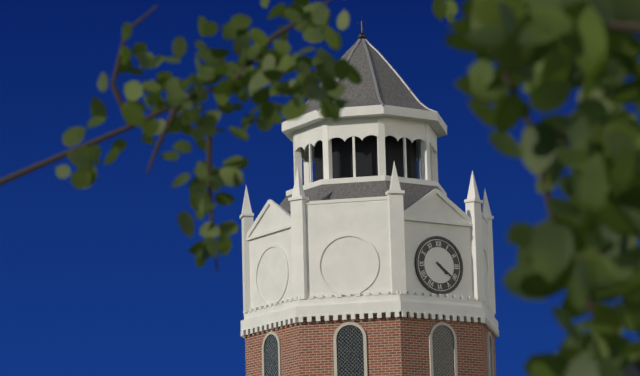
4:21
